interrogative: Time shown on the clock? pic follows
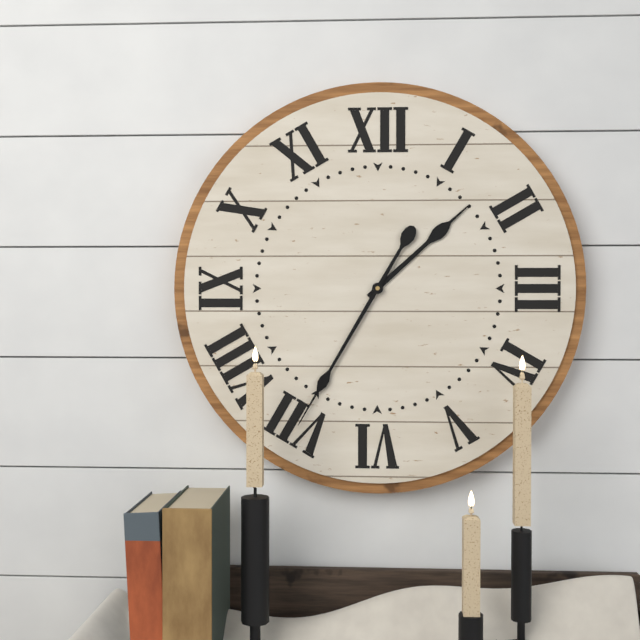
1:35
